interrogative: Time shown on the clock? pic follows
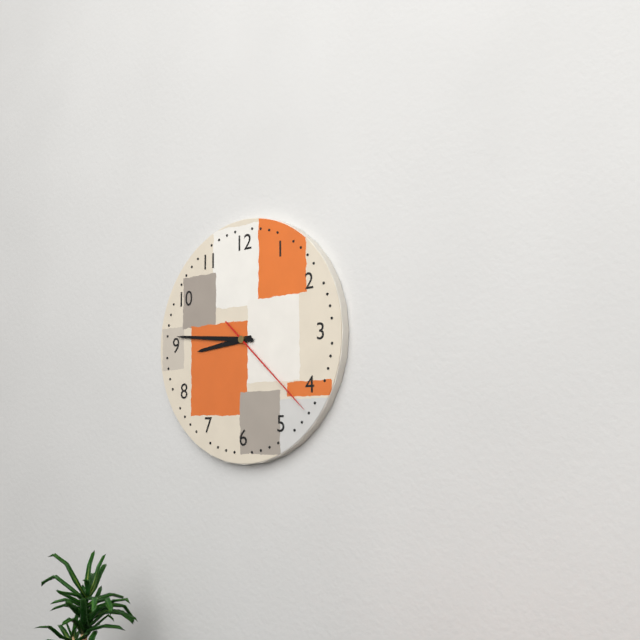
8:46:22
